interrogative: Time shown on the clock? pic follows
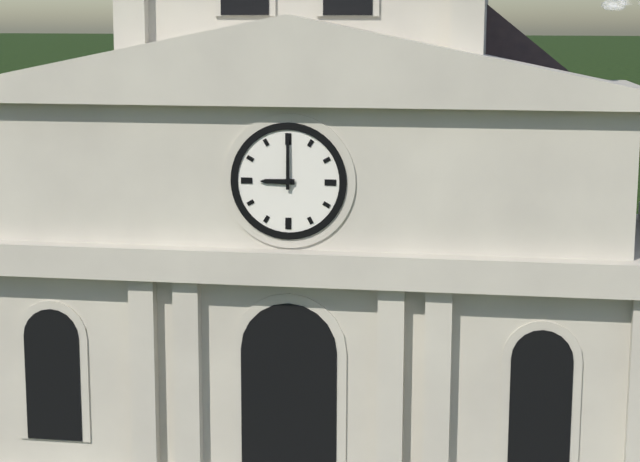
9:00
